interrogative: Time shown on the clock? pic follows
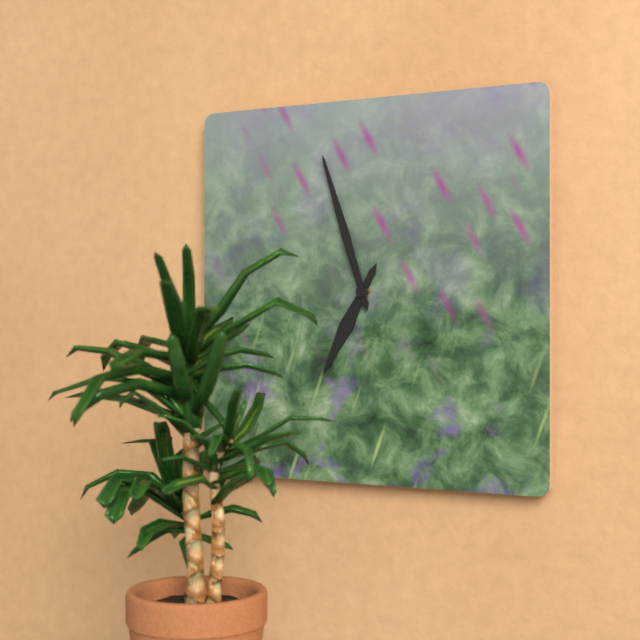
6:57
